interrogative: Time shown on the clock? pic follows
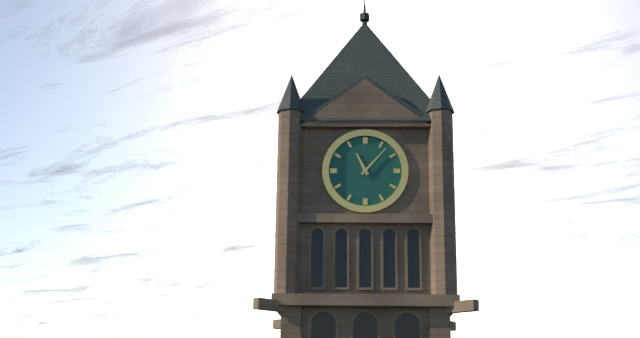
11:07
